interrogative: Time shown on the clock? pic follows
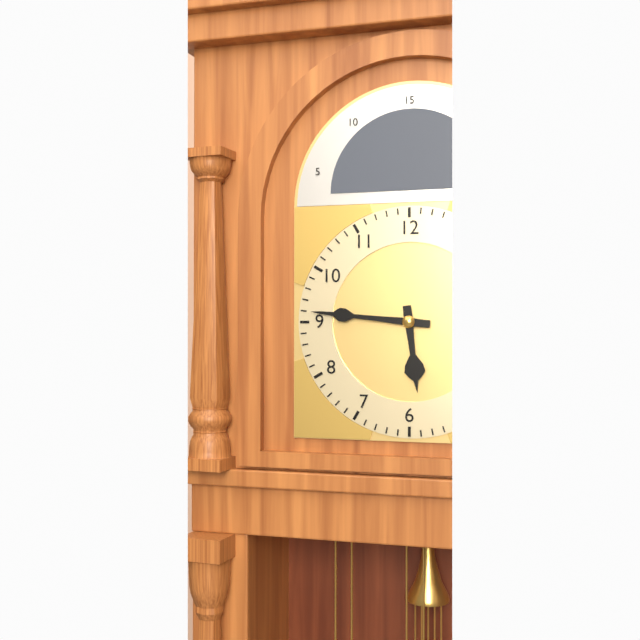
5:46
